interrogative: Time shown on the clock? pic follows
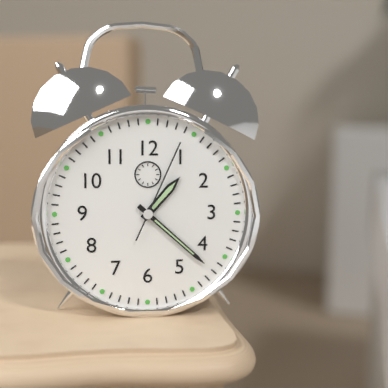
1:22:04
